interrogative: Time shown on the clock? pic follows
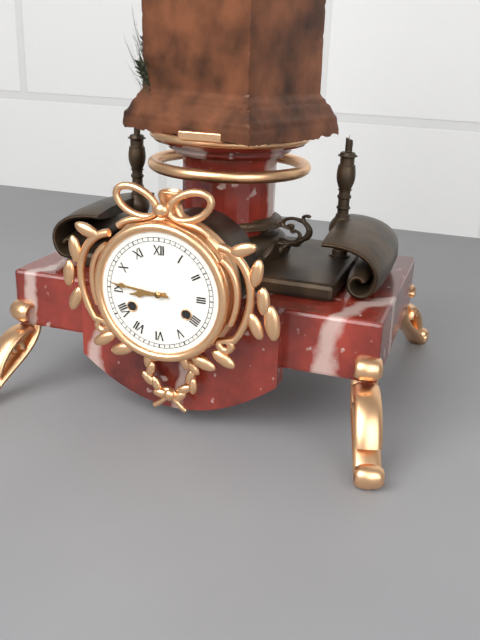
8:46
